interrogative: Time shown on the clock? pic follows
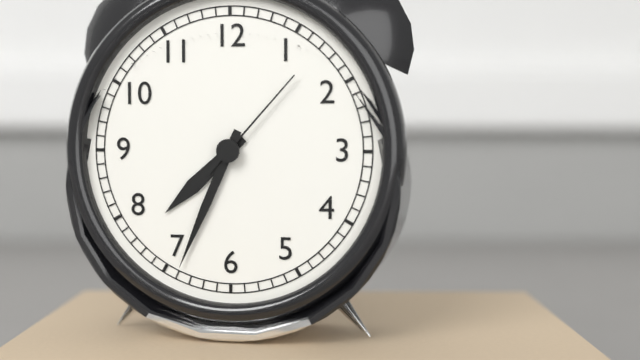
7:34:07
